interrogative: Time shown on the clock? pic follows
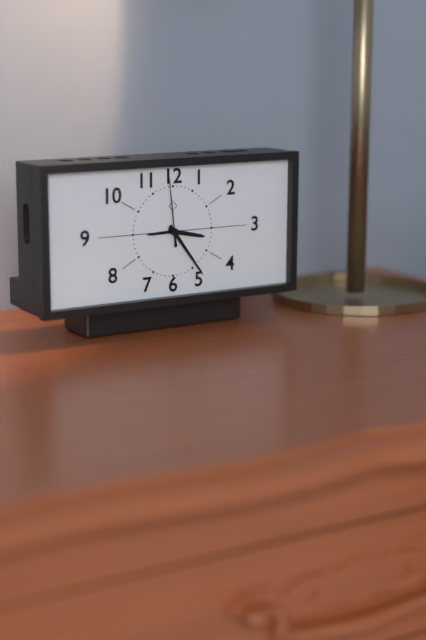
3:24:59
